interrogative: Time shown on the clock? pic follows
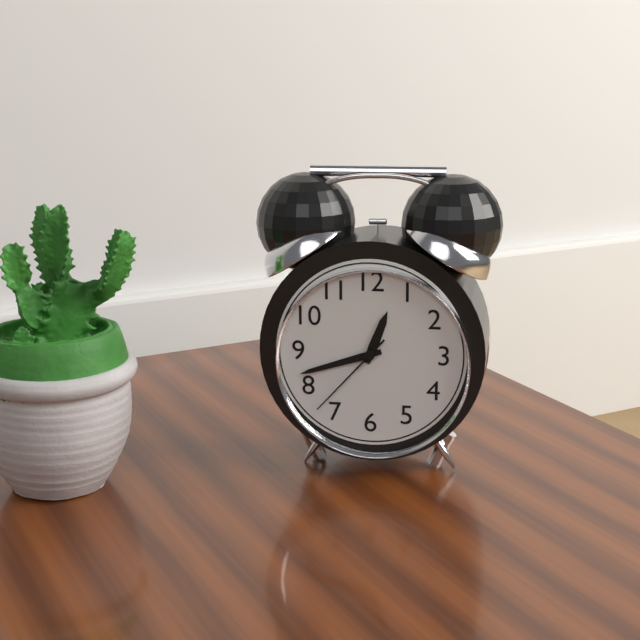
12:42:37
